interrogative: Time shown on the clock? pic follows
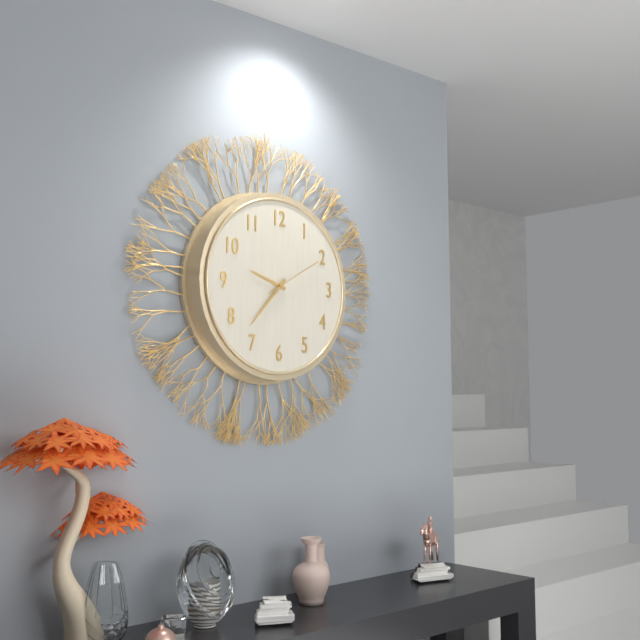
9:37:10
